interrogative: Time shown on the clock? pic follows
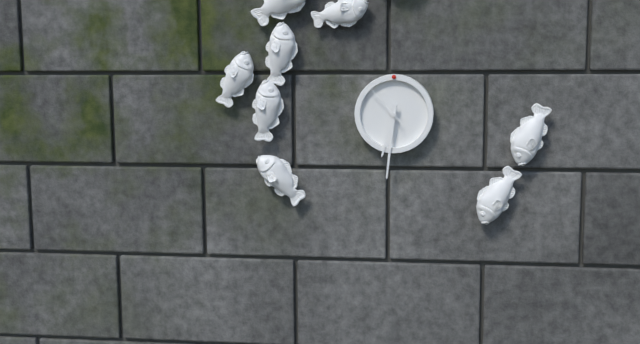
6:31
